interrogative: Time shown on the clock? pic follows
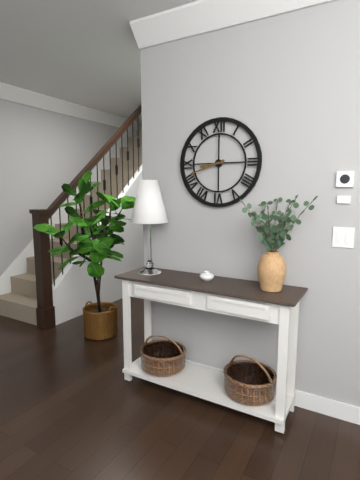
8:42
